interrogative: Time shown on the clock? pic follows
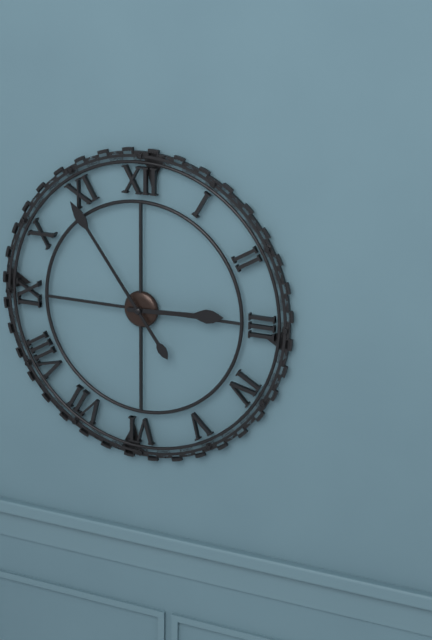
2:54
